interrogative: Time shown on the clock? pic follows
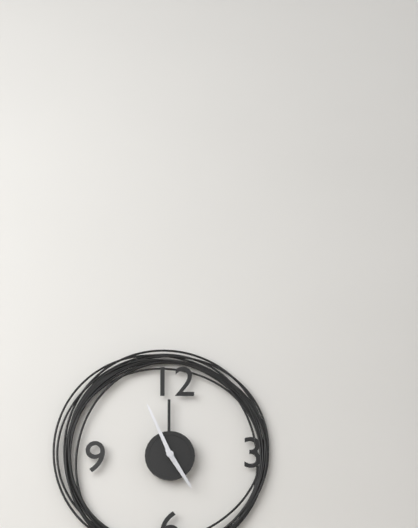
4:56
